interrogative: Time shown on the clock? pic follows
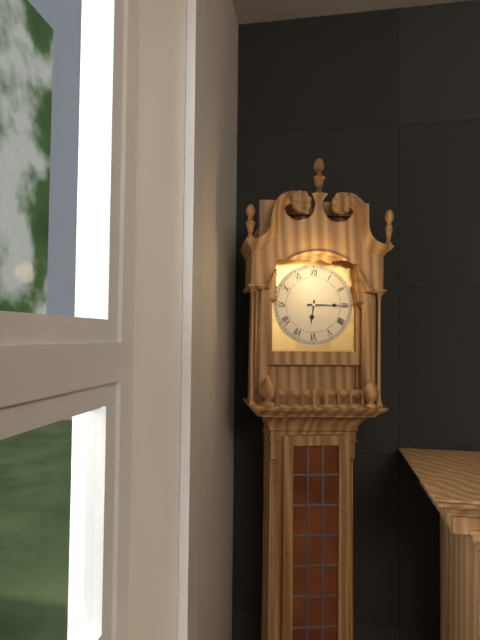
6:15
